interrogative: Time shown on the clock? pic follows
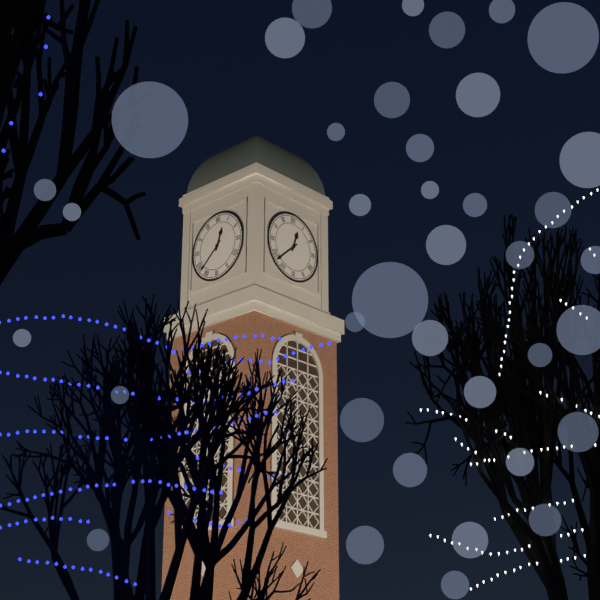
12:38
